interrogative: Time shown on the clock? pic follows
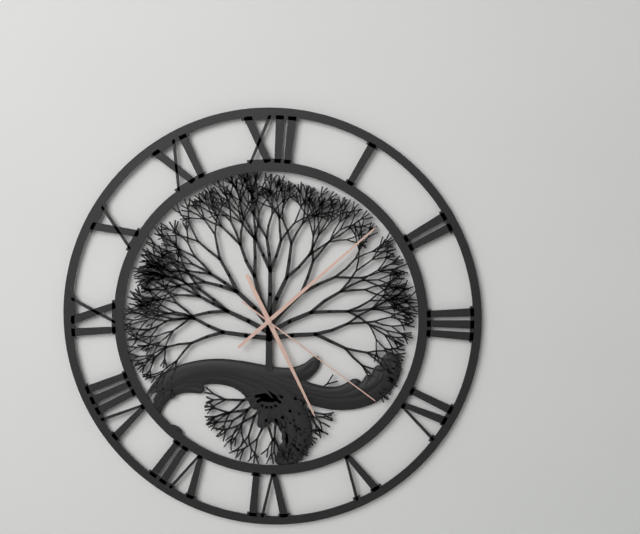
5:08:21
